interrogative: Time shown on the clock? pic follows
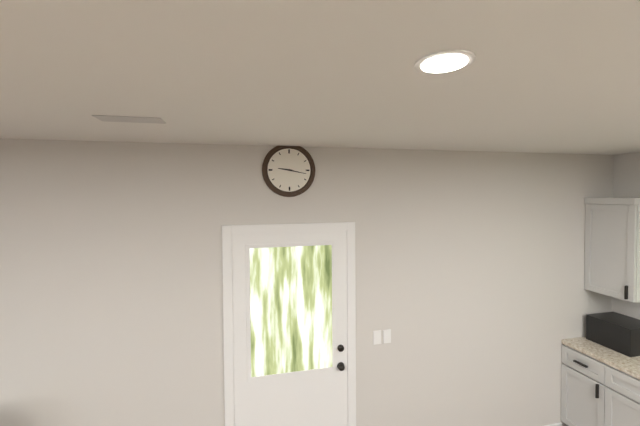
9:17
